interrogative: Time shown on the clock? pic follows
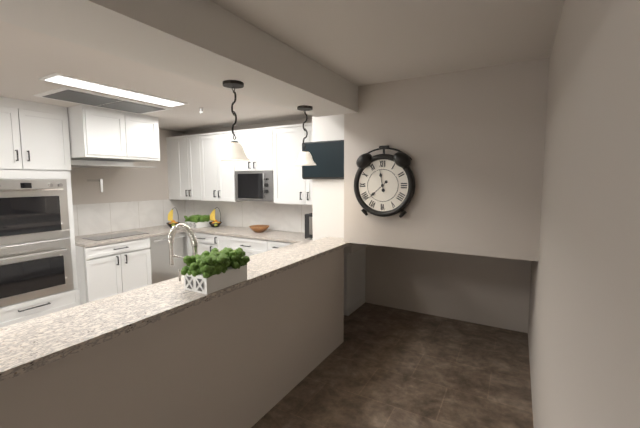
11:38
